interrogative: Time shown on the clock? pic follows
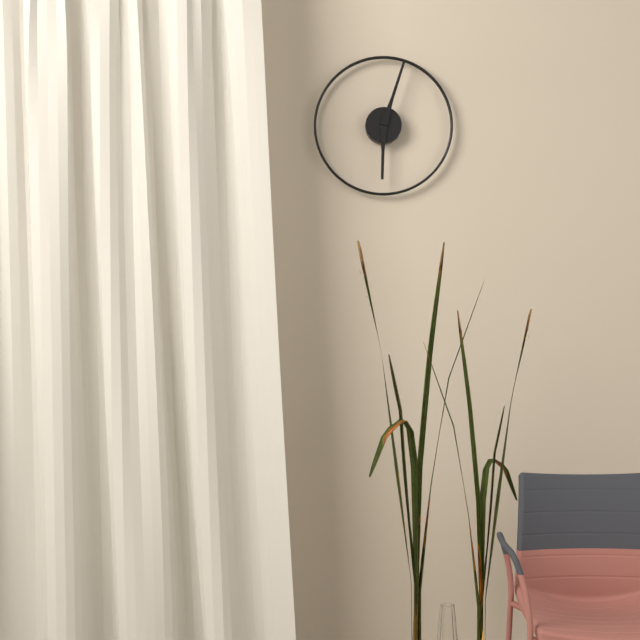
6:03
